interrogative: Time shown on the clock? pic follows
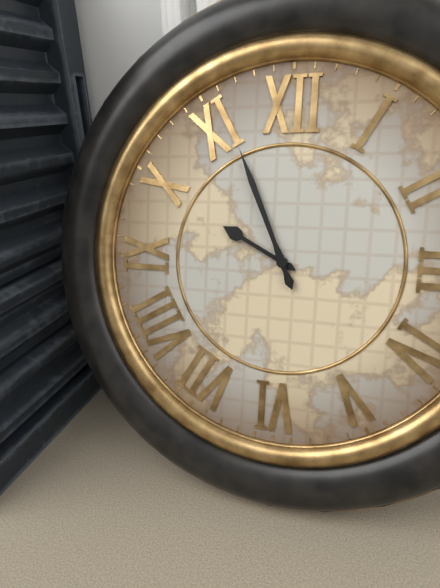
9:56
